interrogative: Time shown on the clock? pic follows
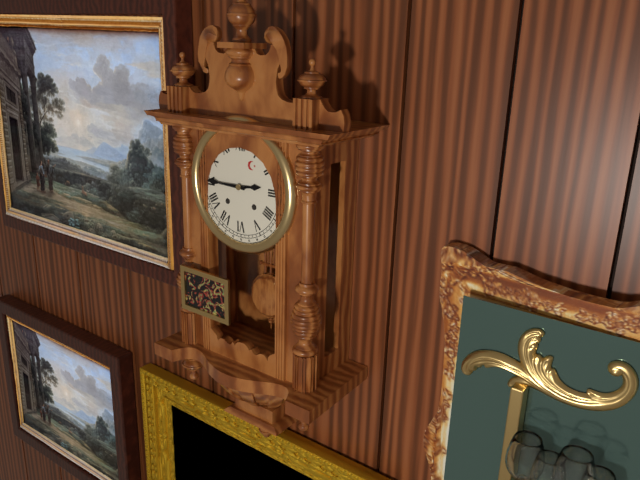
2:45
